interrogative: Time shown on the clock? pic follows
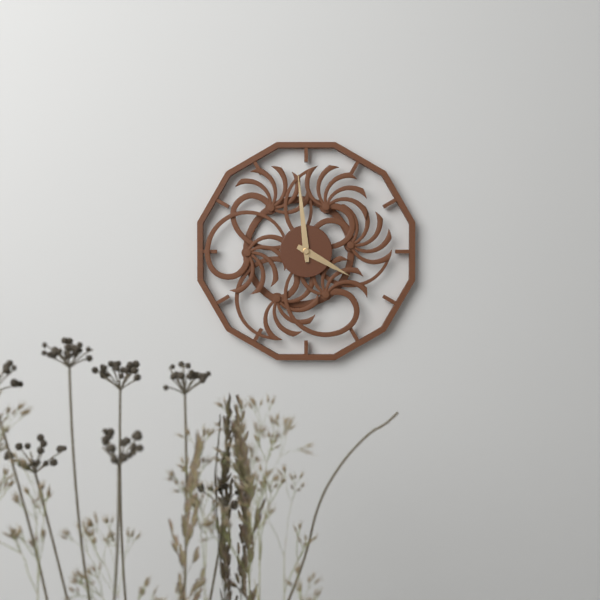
3:59
